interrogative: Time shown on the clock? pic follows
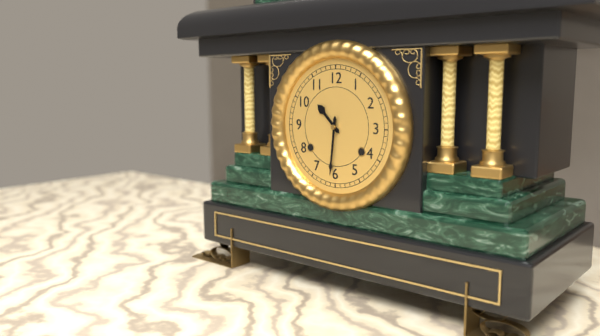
10:31
